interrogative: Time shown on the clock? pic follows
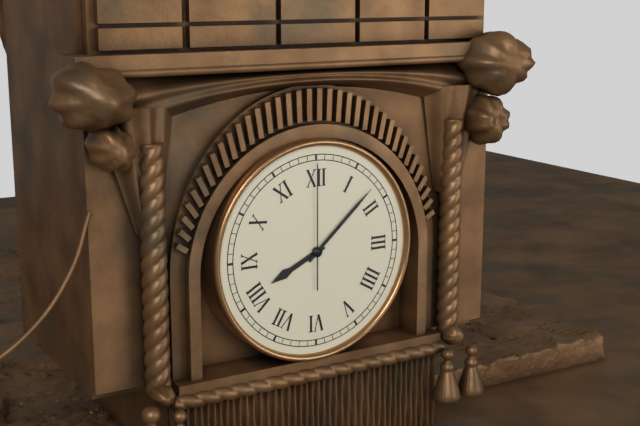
8:08:00
